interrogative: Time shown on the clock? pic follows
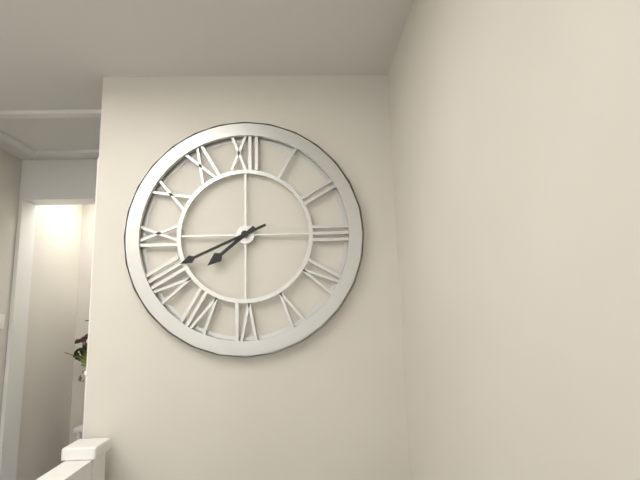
7:41
